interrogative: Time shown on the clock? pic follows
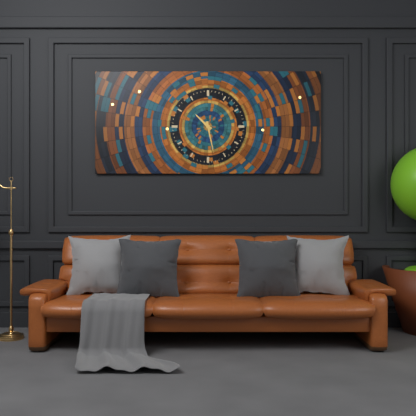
10:28
